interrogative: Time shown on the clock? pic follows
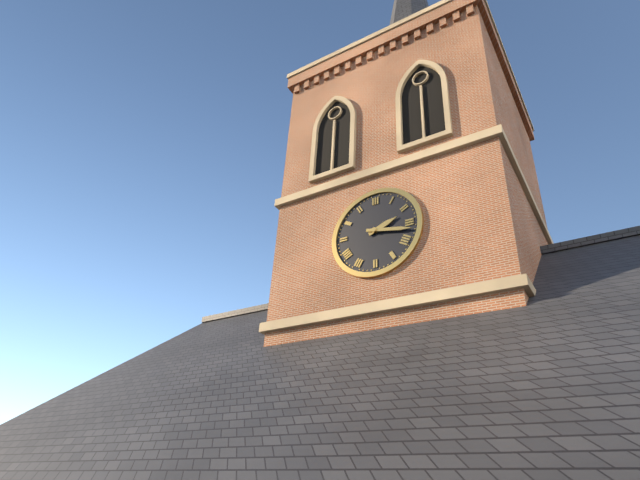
2:17
